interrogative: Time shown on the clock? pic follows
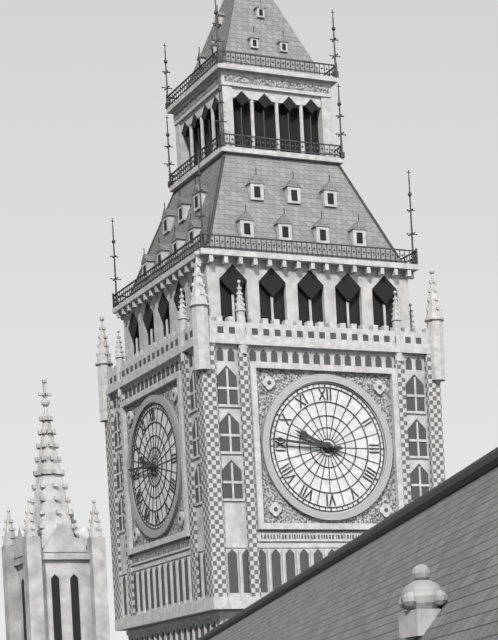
9:46
